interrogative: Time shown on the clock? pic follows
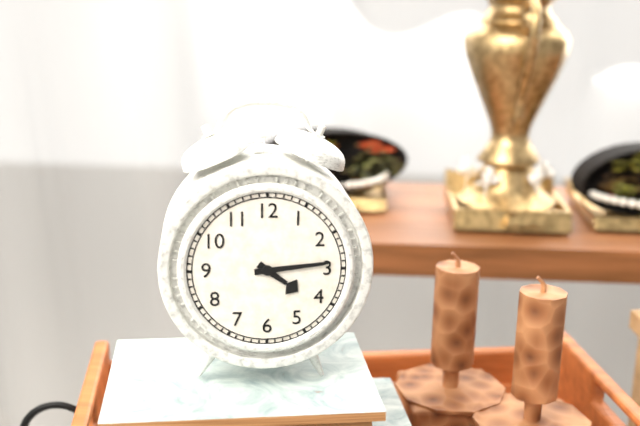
4:14
